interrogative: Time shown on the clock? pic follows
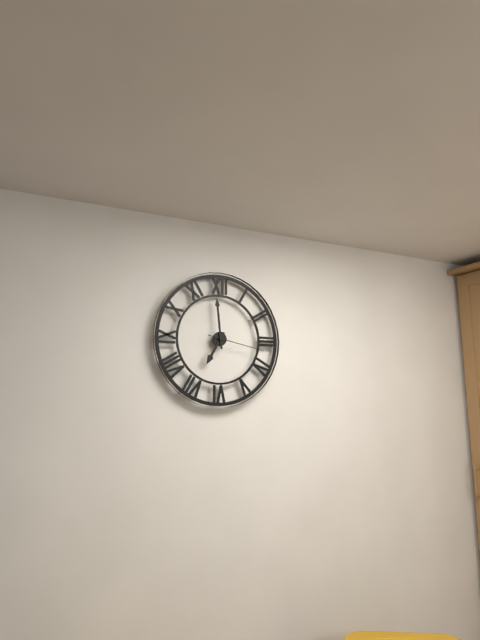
6:59:17
